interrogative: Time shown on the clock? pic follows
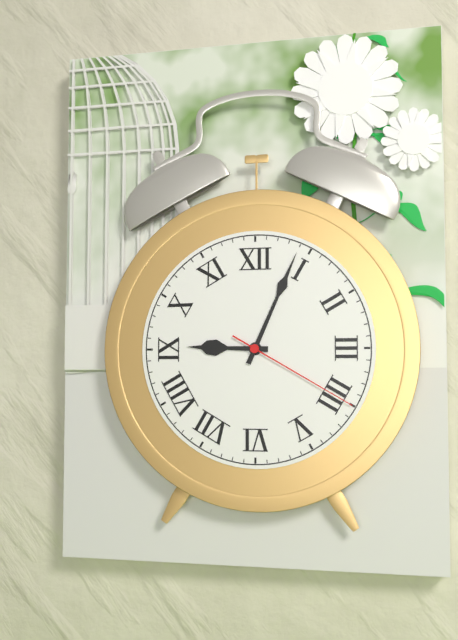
9:04:20
